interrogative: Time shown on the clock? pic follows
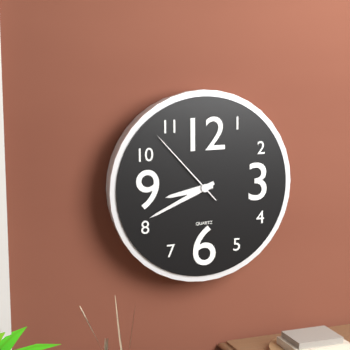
8:41:53
